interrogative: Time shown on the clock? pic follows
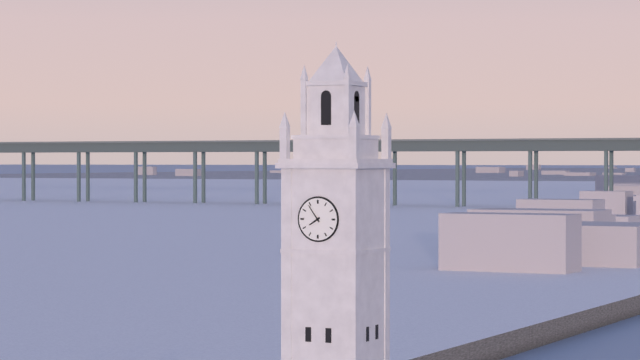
7:54
